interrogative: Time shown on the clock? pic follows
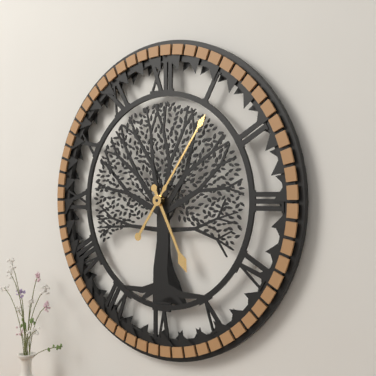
5:06
